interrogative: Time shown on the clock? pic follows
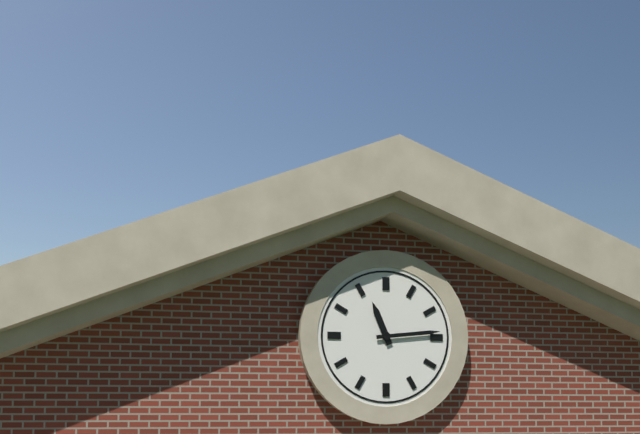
11:14
